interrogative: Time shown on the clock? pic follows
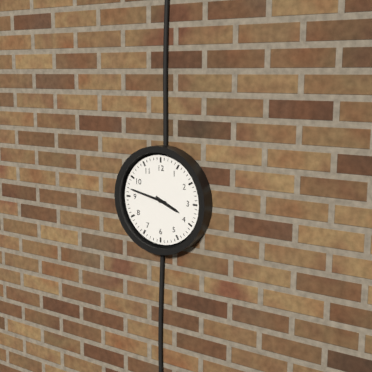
3:47
